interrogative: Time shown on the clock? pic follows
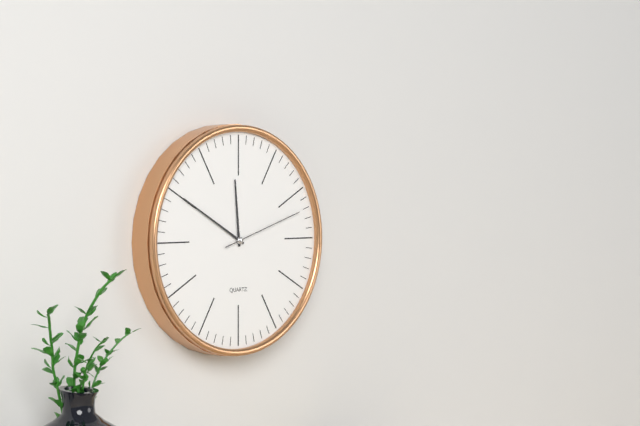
11:50:12
